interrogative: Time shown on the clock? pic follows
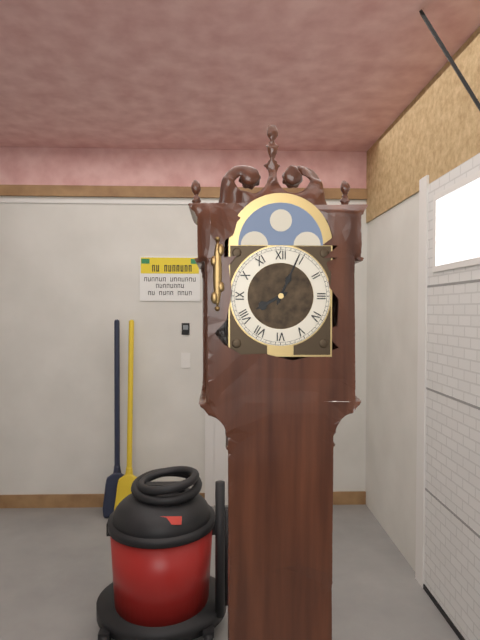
8:04
